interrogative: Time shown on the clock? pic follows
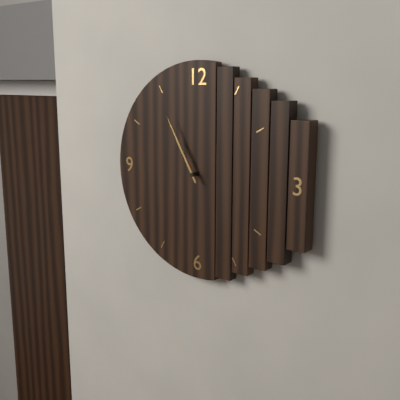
10:55
